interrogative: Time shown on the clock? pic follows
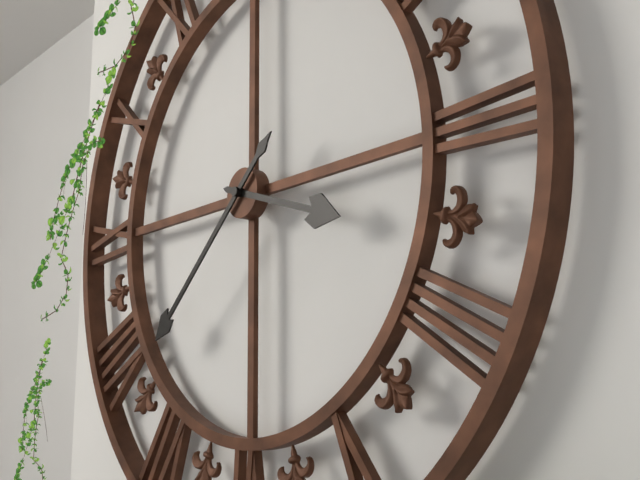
3:38
